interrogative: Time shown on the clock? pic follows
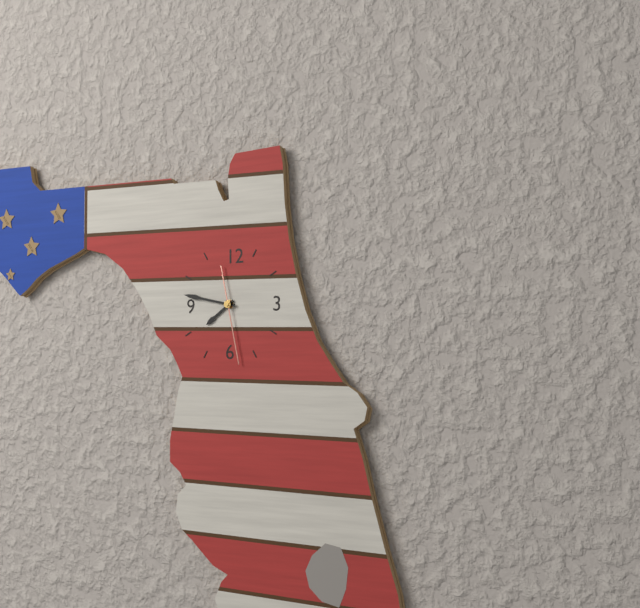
7:47:28
